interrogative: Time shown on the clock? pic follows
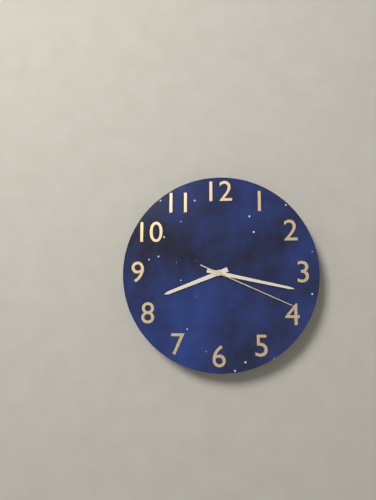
8:17:19
